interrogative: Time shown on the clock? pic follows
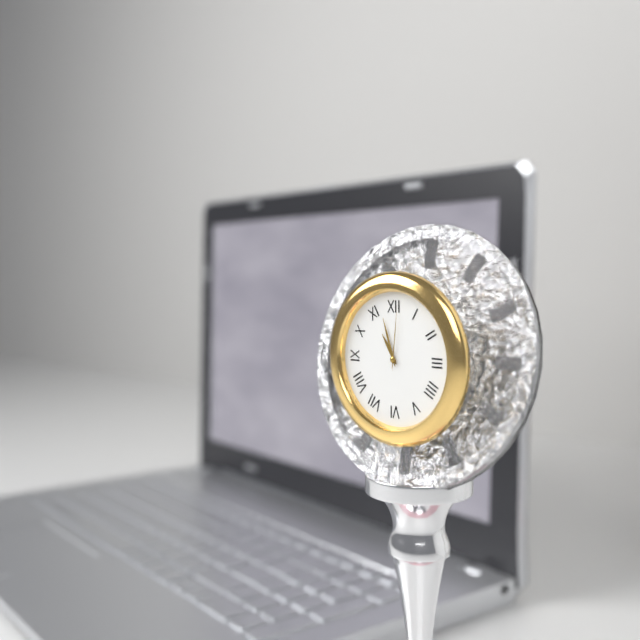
10:57:01
